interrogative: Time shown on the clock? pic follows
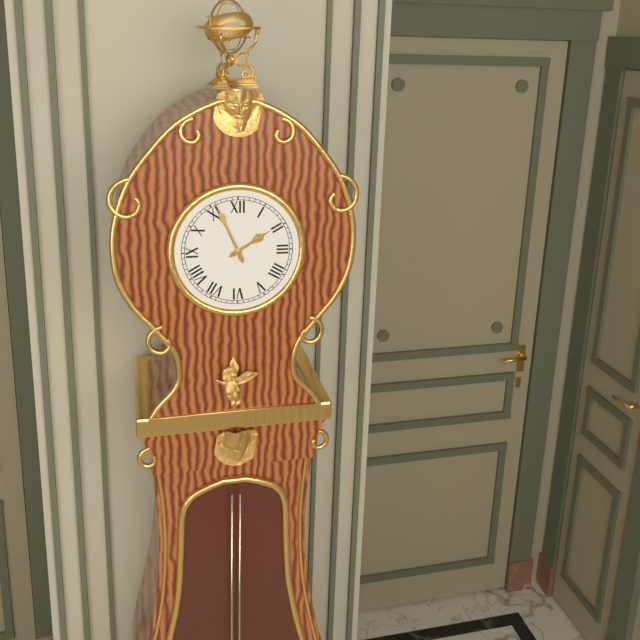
1:56
